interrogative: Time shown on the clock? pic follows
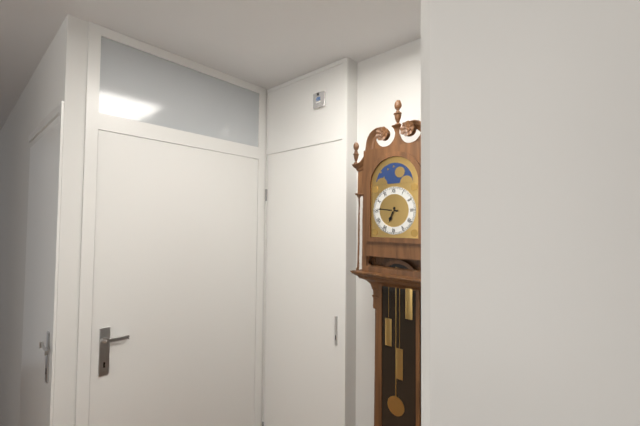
6:46
